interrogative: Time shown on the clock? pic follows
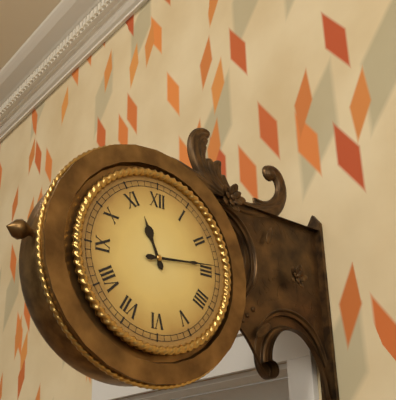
11:14
